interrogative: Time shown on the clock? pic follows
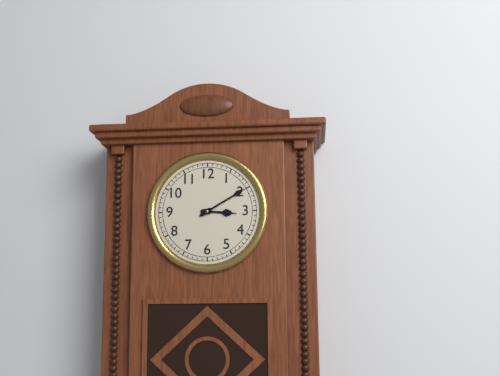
3:10
